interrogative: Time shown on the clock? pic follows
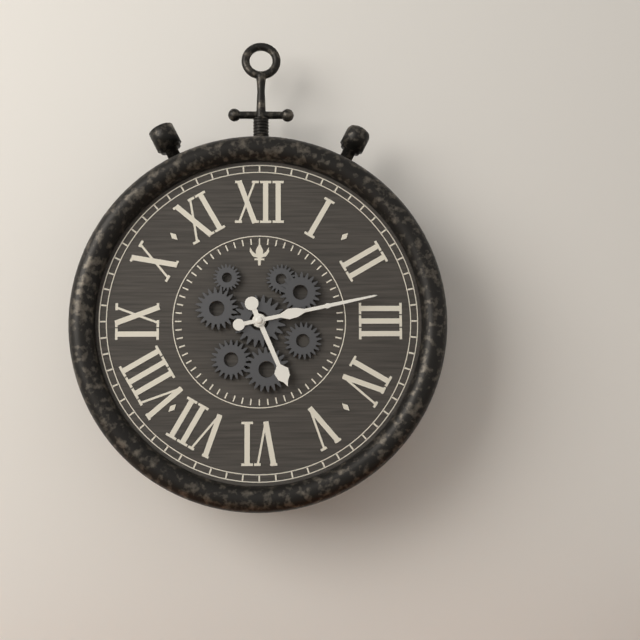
5:13
